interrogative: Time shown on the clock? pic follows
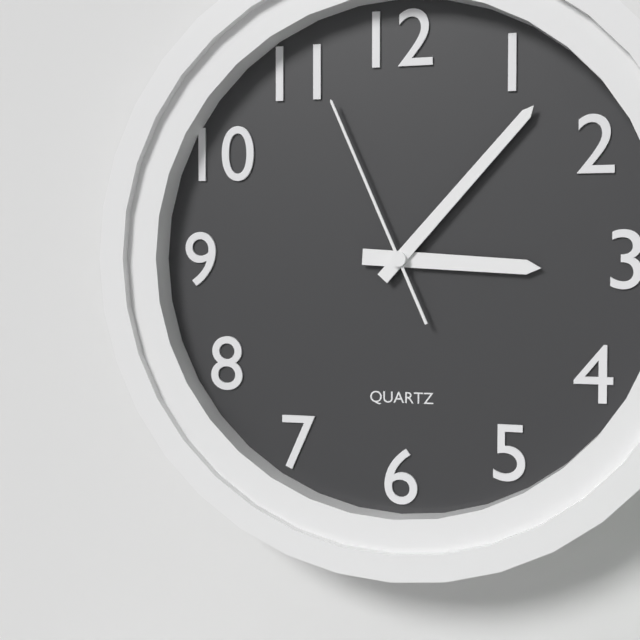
3:07:56
